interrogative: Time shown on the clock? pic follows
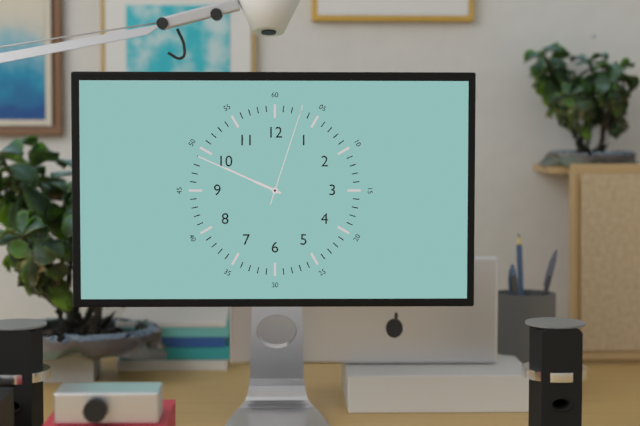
9:49:03
